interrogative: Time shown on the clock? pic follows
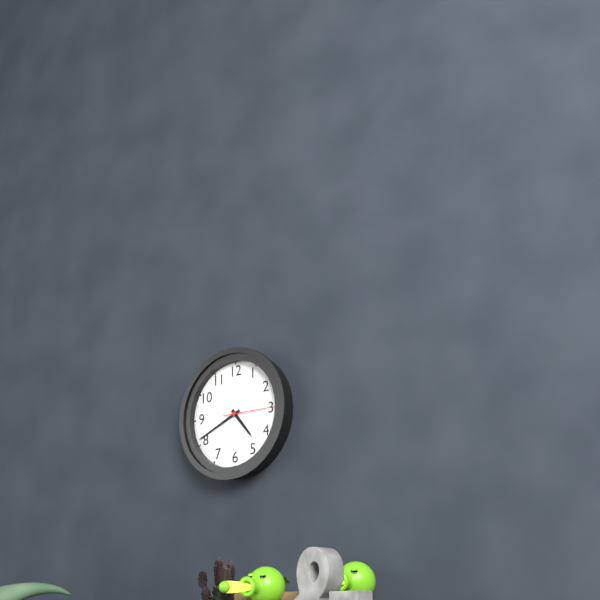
4:41:15
